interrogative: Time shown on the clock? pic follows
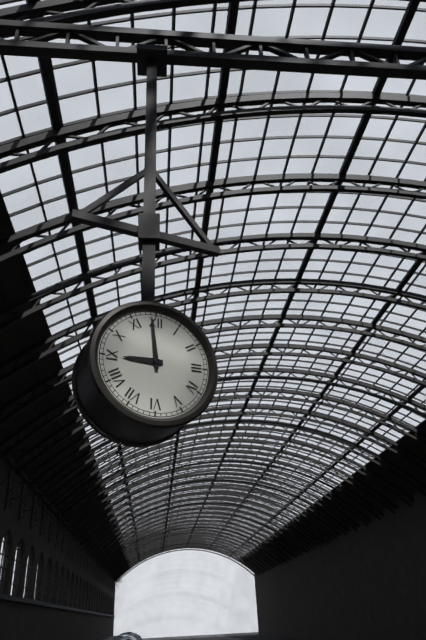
8:59
